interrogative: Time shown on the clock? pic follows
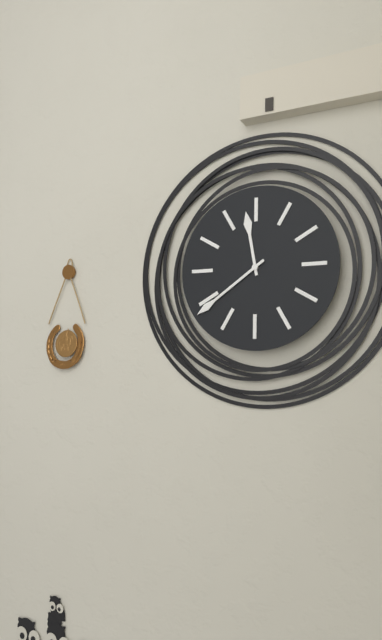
11:39
